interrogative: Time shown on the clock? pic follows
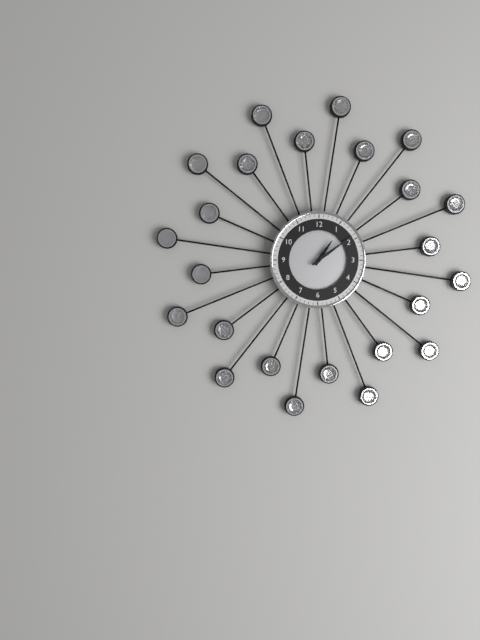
1:09
